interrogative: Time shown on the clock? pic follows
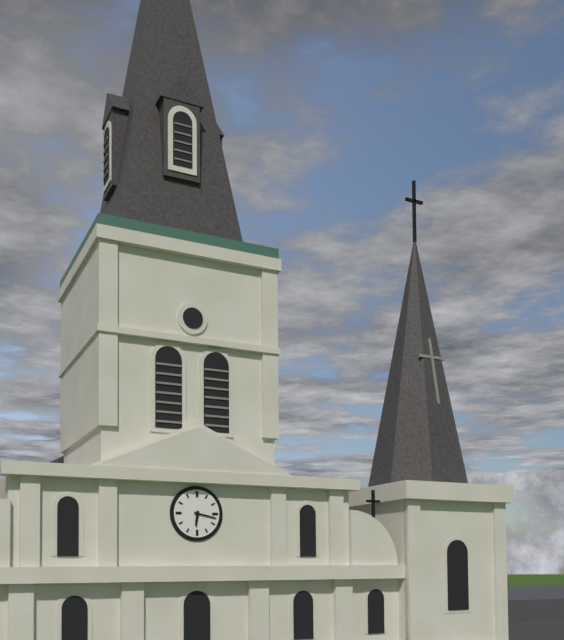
6:17
